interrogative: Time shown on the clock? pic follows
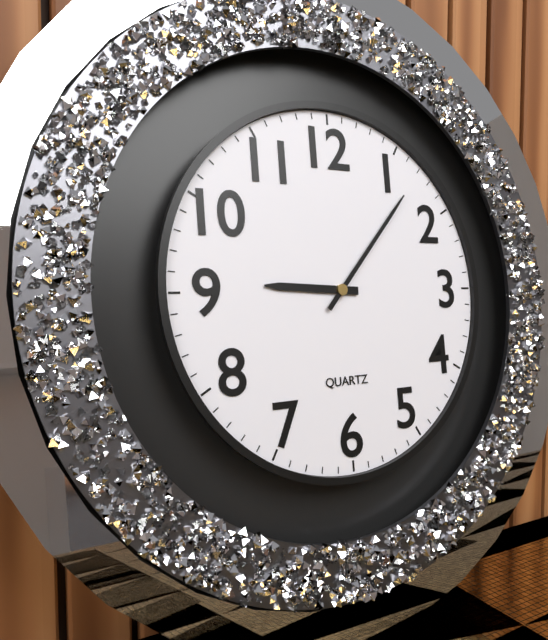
9:07
